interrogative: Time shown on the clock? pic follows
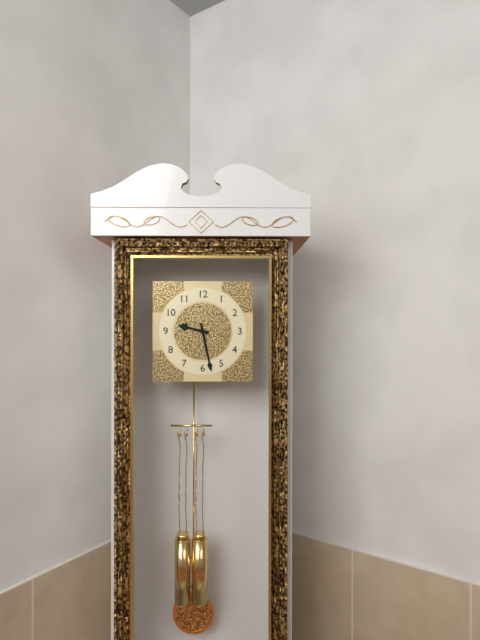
9:28
